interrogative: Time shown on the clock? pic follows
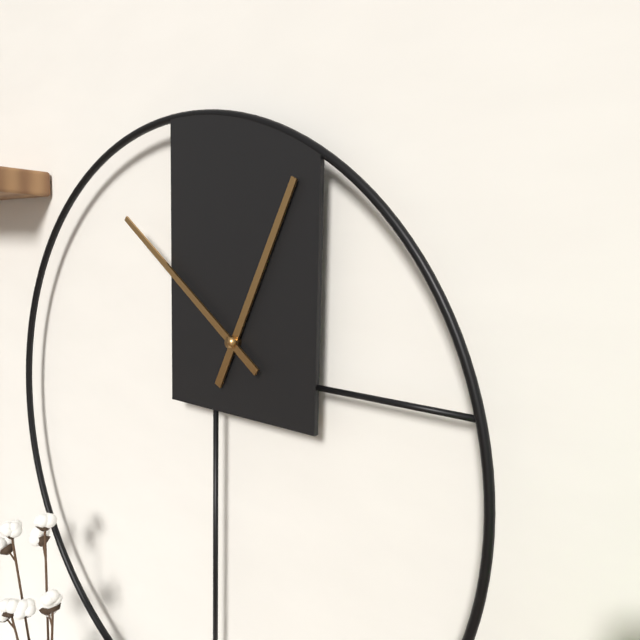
12:51
